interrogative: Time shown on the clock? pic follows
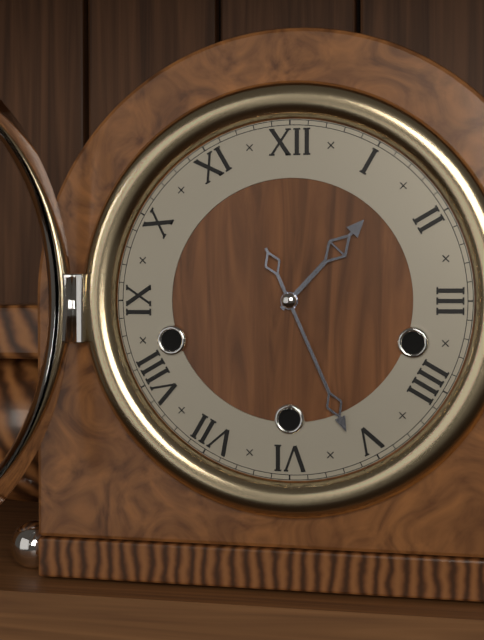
1:26
